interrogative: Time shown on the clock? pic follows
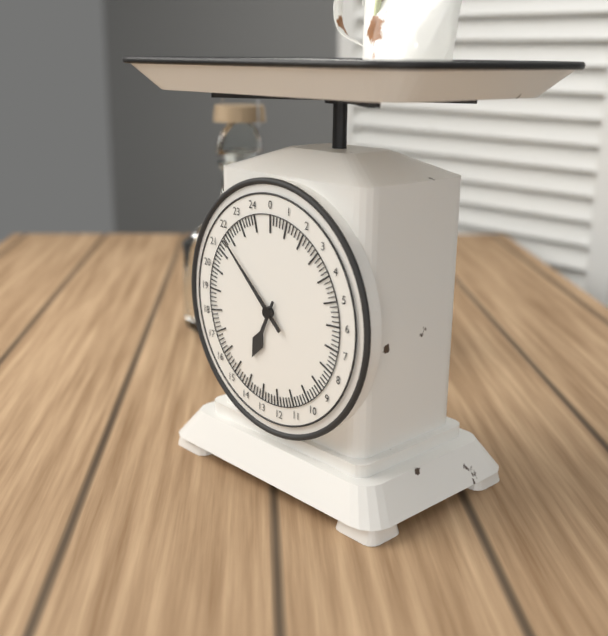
6:52
